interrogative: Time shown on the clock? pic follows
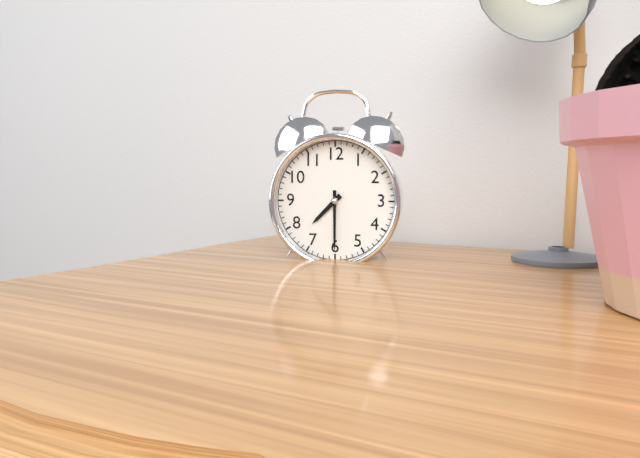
7:30
